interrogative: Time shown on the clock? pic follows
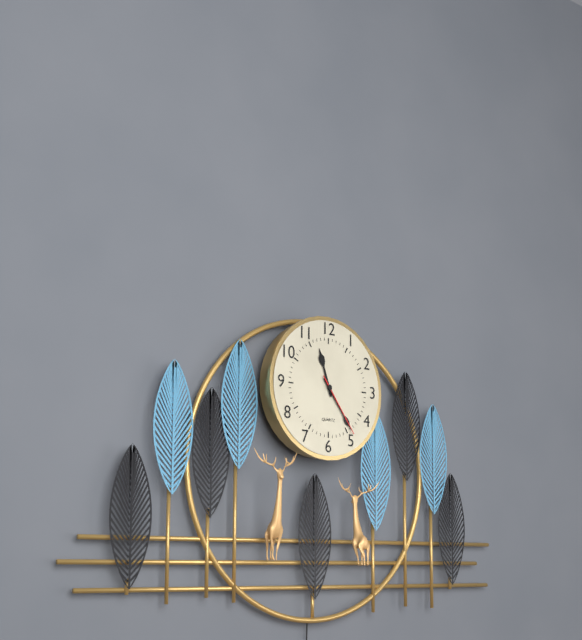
11:24:24
